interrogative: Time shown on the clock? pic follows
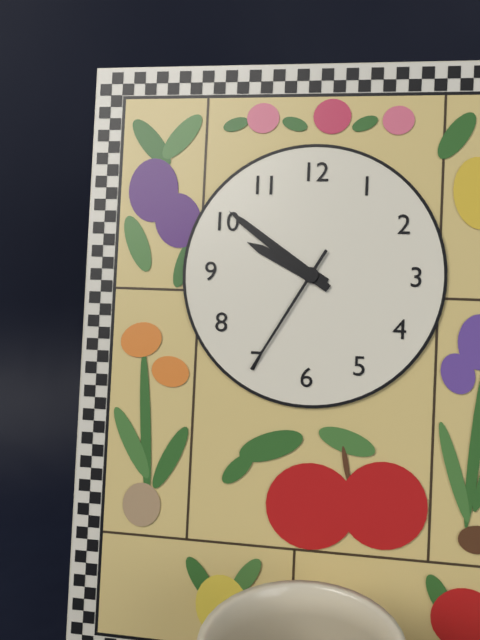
9:51:35
